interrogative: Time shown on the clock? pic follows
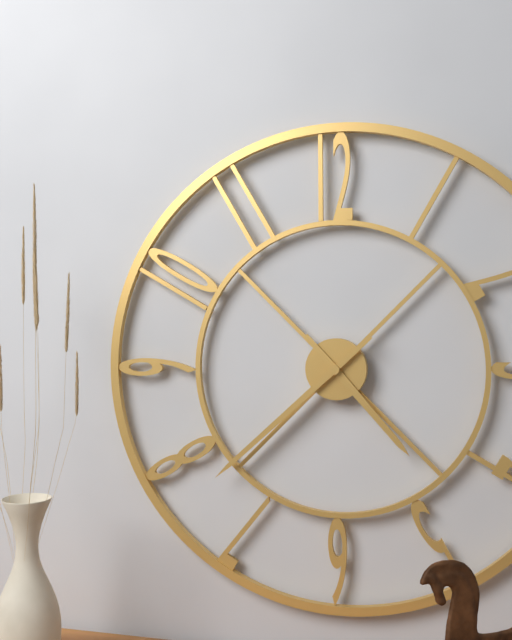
4:38
